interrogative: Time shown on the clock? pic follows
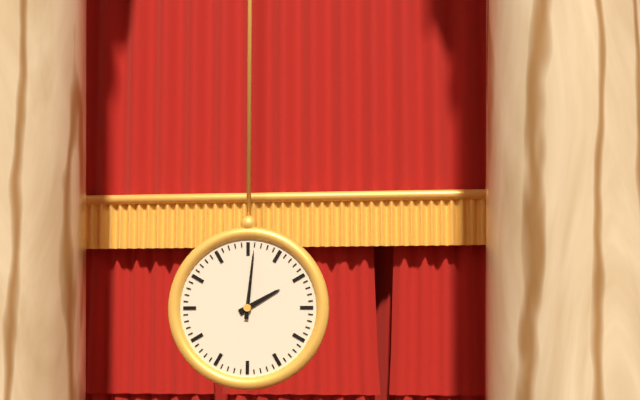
2:01
